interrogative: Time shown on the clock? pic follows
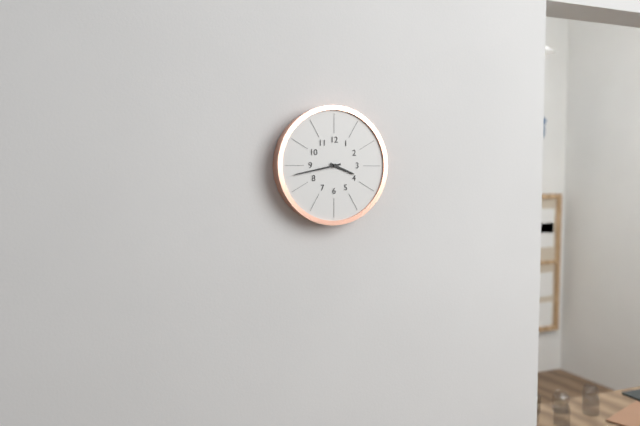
3:43
